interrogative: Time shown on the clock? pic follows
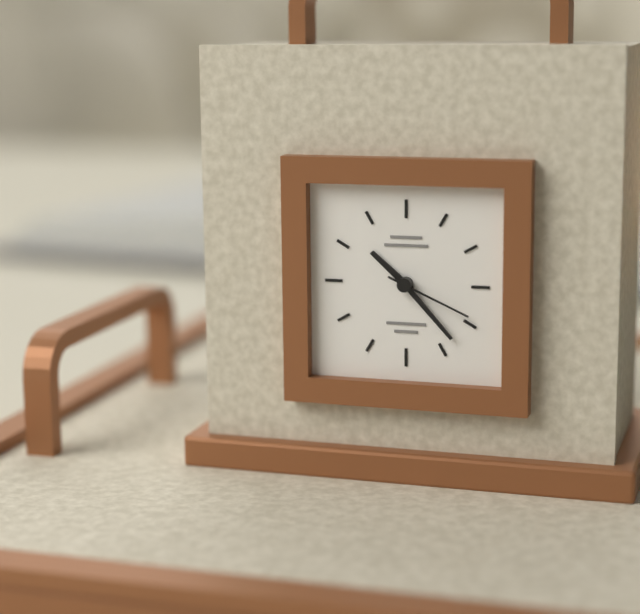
10:23:19
